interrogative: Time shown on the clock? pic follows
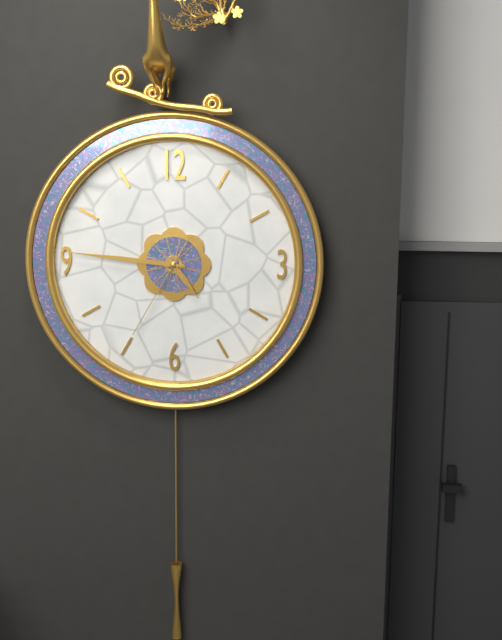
4:46:35
